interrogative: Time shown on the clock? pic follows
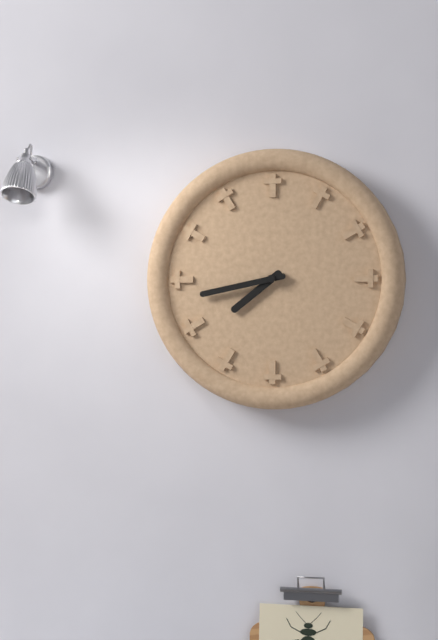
7:43
